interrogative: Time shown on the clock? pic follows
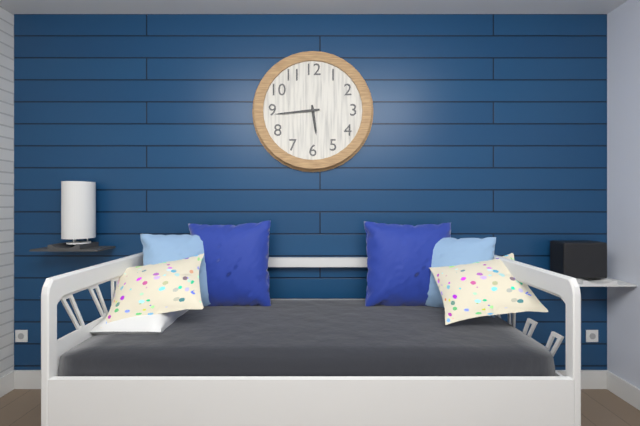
5:44
